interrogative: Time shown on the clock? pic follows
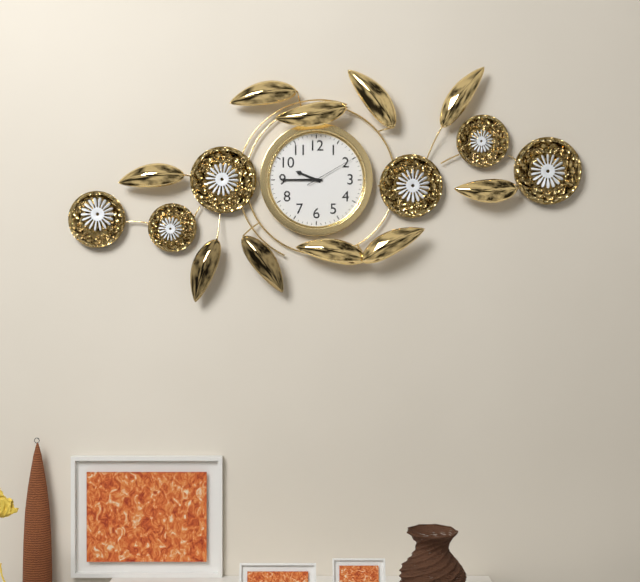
9:45:10
